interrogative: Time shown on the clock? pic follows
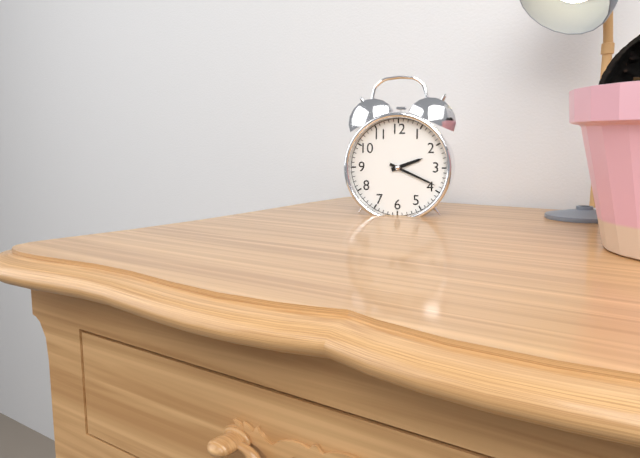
2:19
